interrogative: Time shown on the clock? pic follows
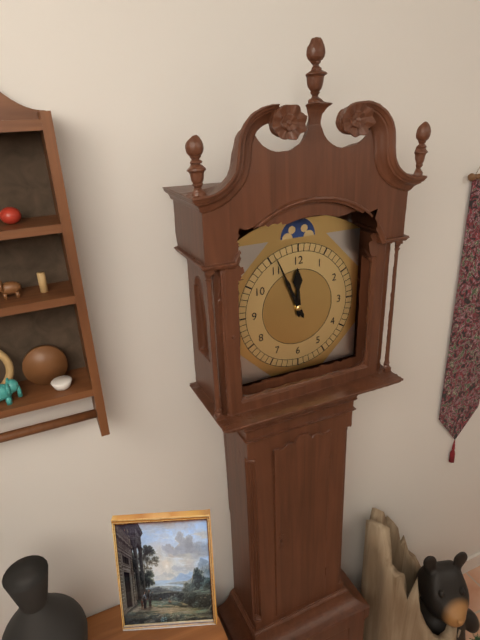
11:56
